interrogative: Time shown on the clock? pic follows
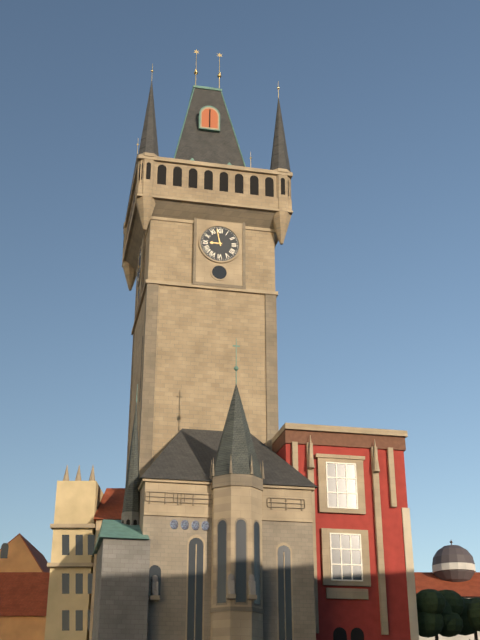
8:58
